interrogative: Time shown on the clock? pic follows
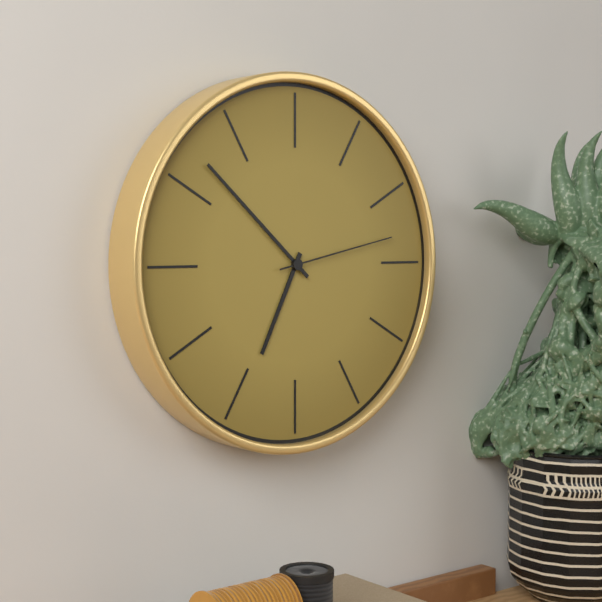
6:52:13
